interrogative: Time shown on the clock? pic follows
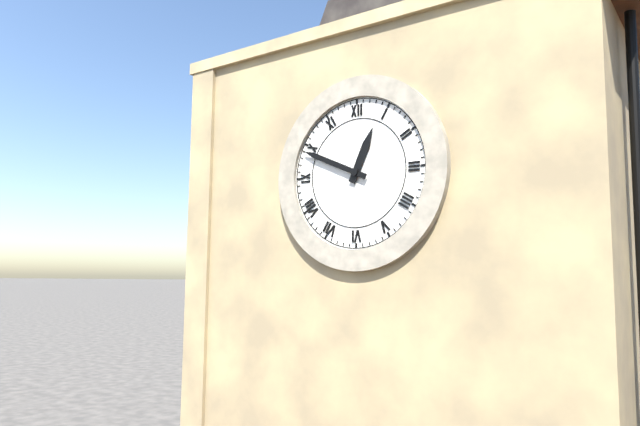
12:49
